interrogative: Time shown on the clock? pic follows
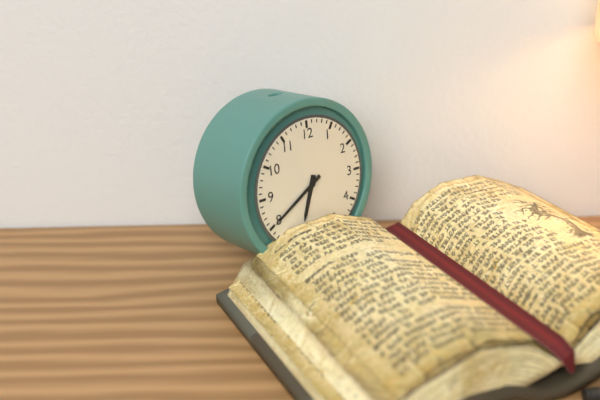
6:40
